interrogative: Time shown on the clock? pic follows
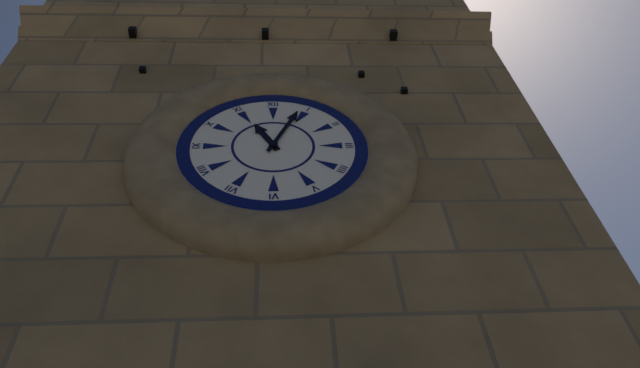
11:04
